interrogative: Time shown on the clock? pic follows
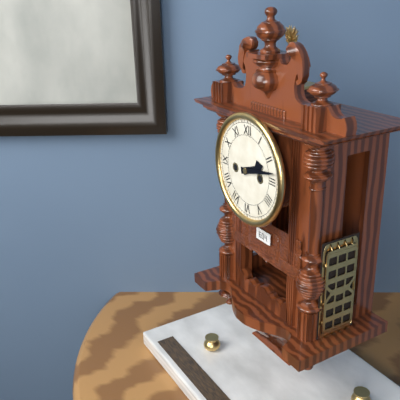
2:13
